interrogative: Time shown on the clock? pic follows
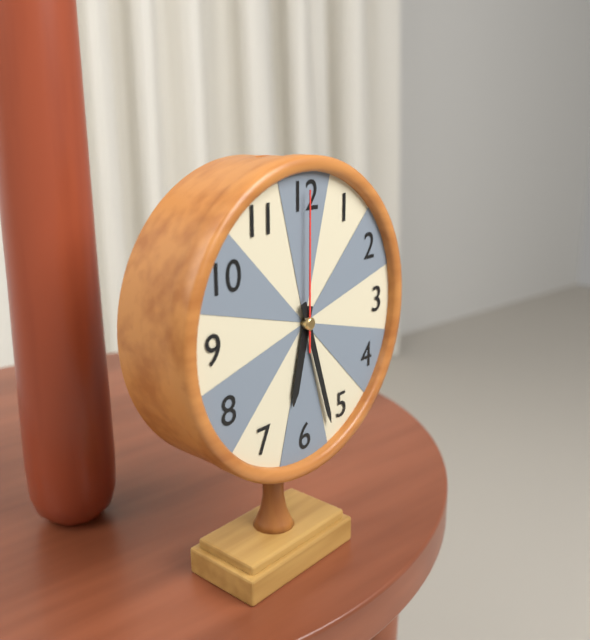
6:27:00
